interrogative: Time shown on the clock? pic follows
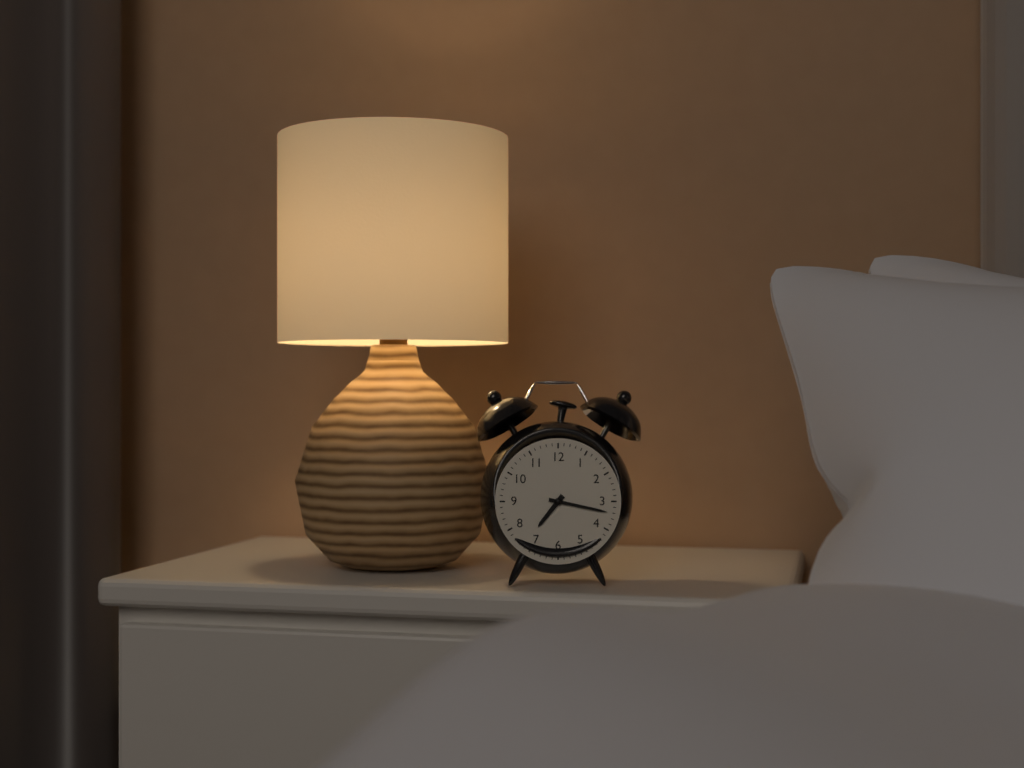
7:17
